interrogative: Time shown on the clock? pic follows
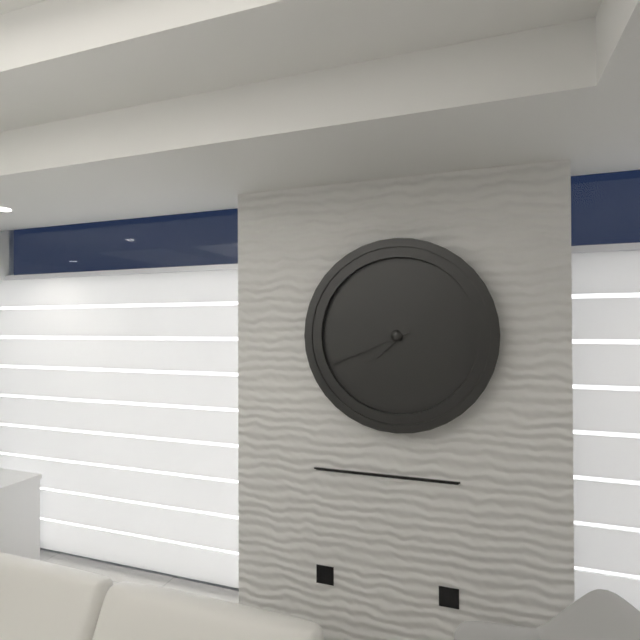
7:41
